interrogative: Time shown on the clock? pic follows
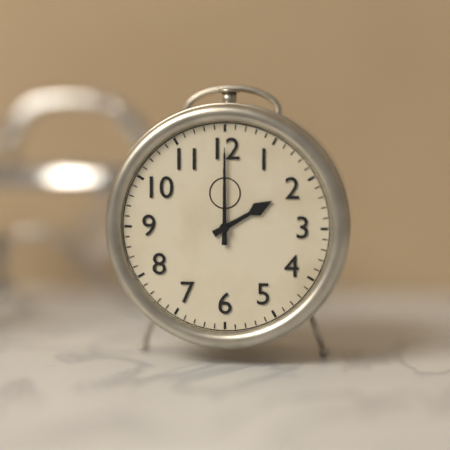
2:00
